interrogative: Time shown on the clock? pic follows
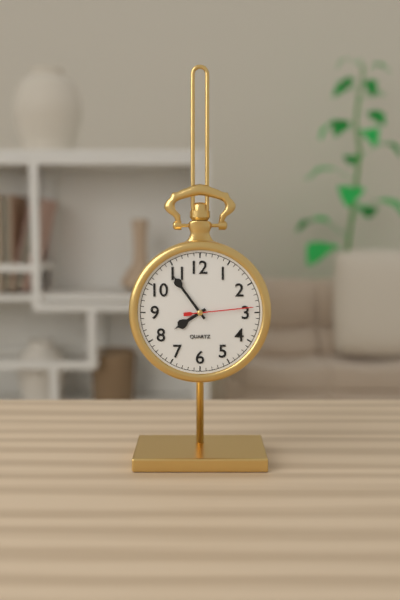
7:54:14
